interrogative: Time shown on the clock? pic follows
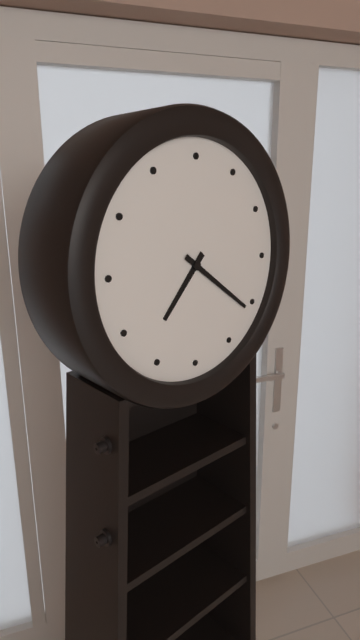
7:21
